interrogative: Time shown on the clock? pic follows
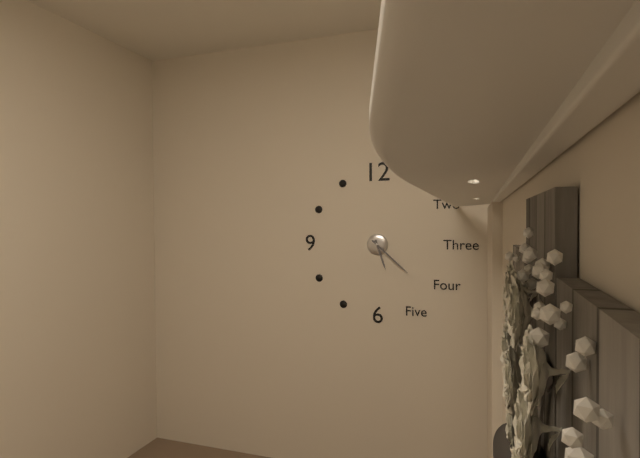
5:22
